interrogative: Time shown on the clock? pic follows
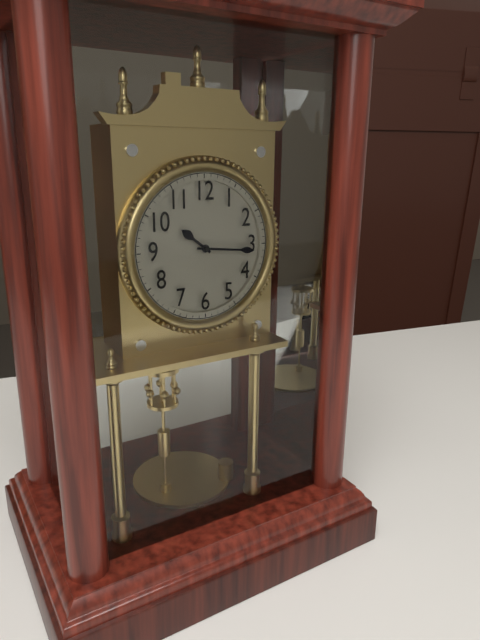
10:16
